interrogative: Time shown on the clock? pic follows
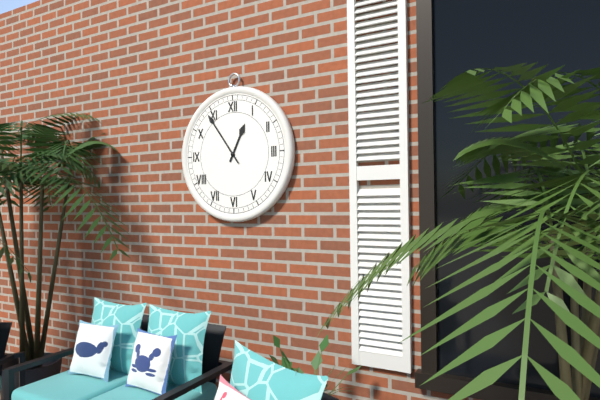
12:54
